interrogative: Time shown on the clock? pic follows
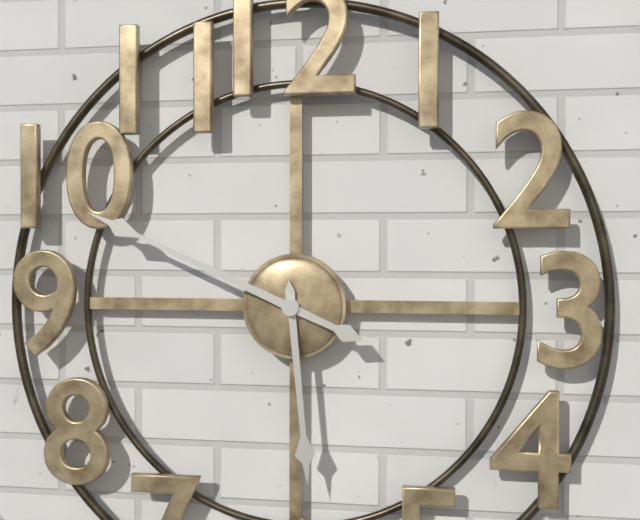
5:49
